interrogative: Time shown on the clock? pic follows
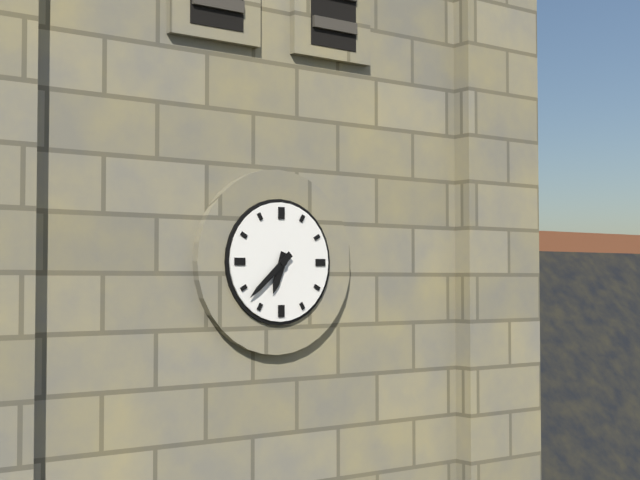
6:38
